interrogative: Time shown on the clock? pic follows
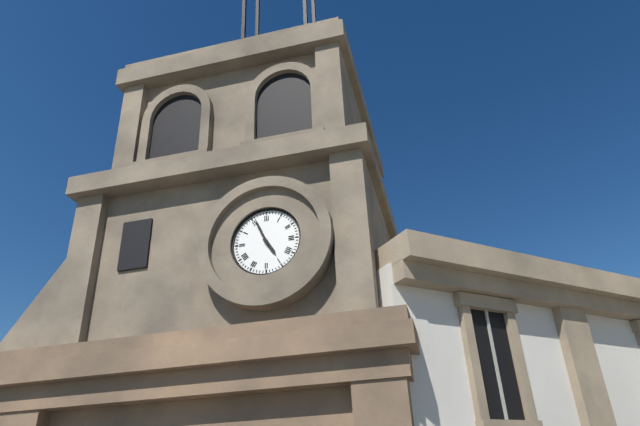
4:56
